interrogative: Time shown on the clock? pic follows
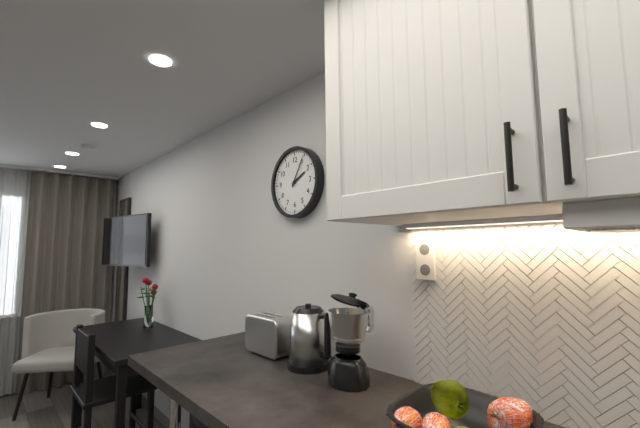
2:05
